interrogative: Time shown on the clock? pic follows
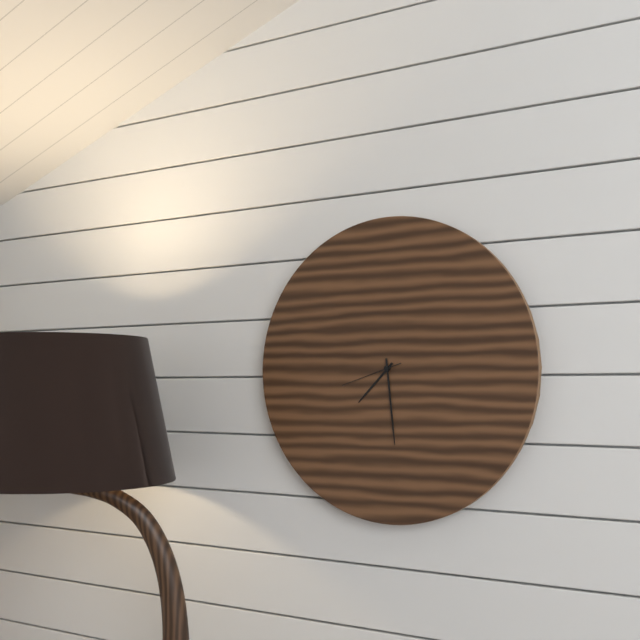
7:29:42
